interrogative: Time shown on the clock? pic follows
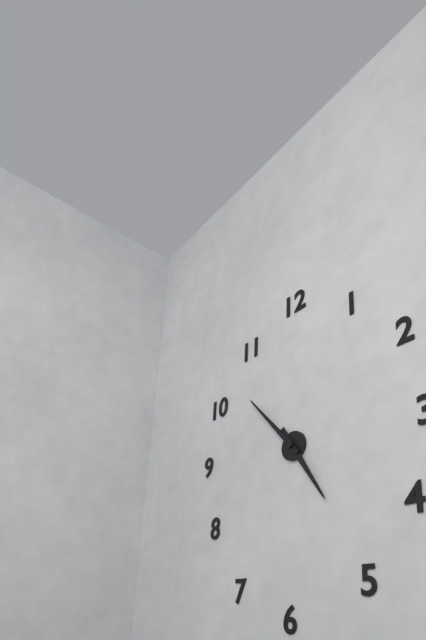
4:53
